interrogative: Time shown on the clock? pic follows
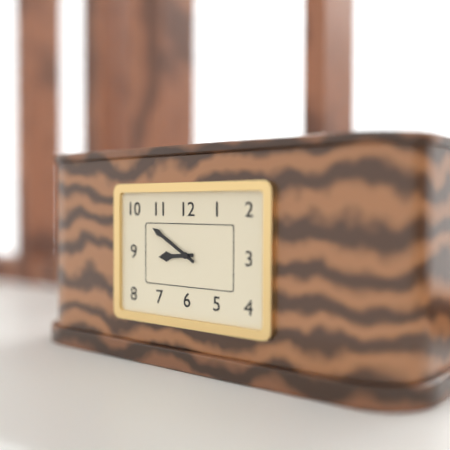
8:50
